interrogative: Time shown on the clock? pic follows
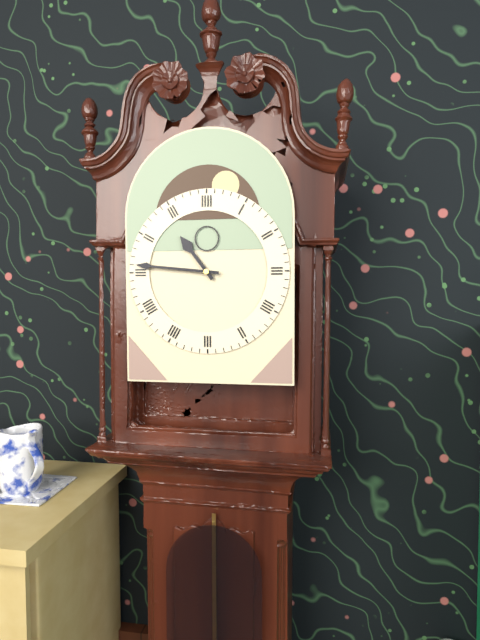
10:46
